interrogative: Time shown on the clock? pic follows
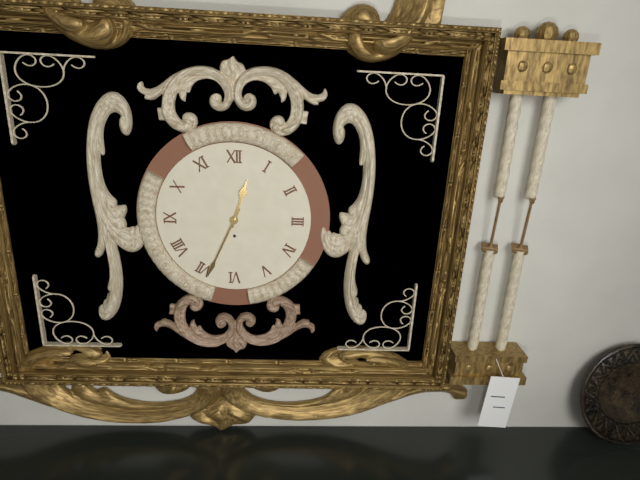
12:34
